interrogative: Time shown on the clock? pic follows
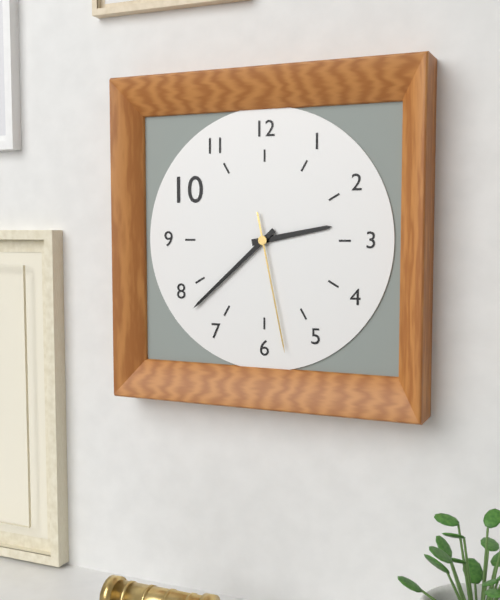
2:38:28
